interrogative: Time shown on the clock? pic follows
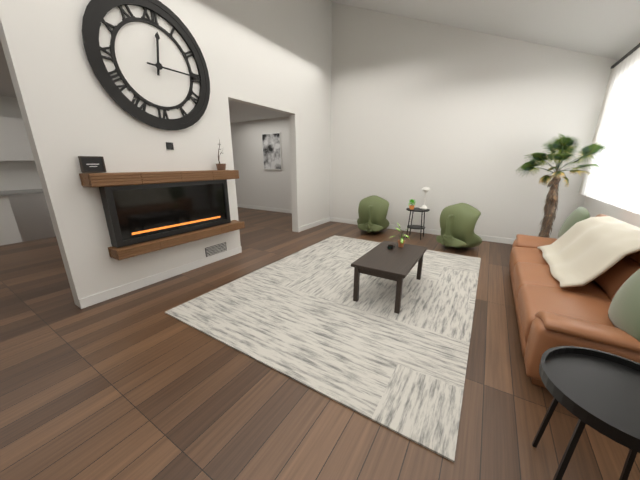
12:15
